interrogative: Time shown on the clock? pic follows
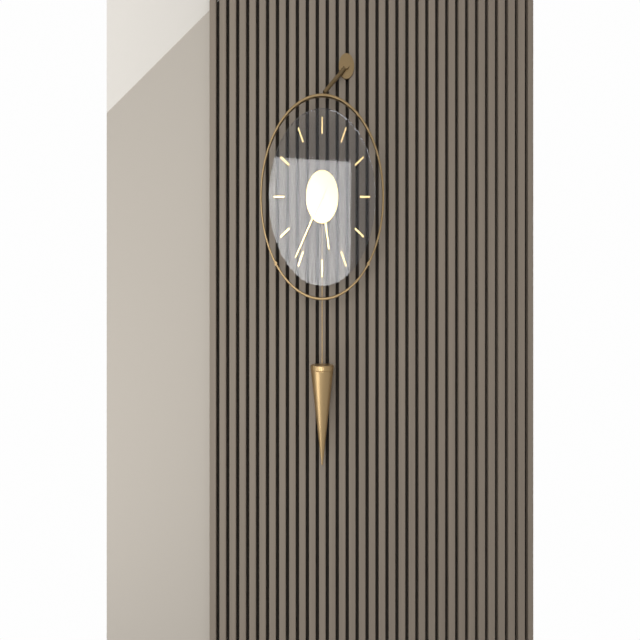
5:36
